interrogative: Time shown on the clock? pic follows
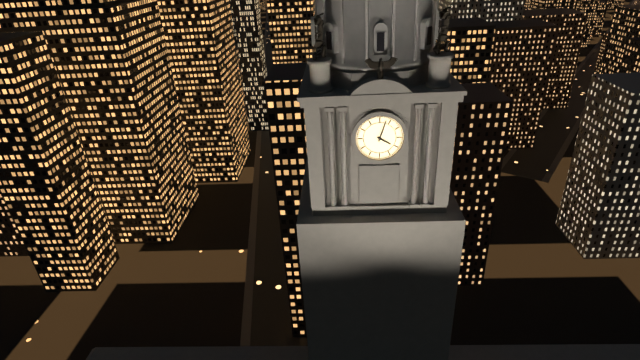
4:03
